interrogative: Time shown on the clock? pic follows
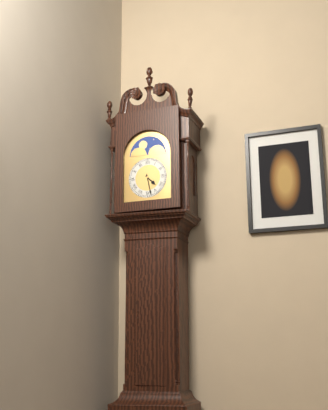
4:28
